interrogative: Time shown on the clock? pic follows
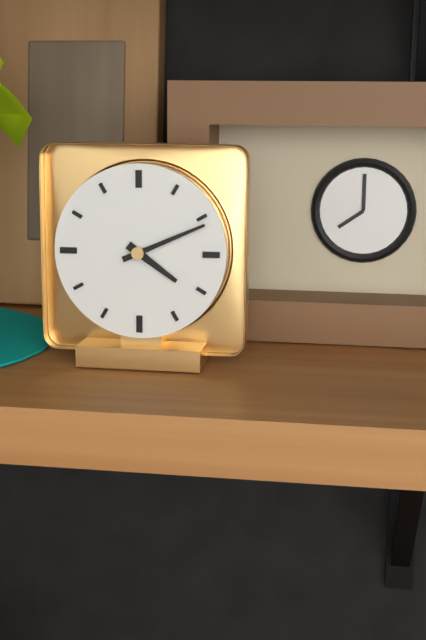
4:11
